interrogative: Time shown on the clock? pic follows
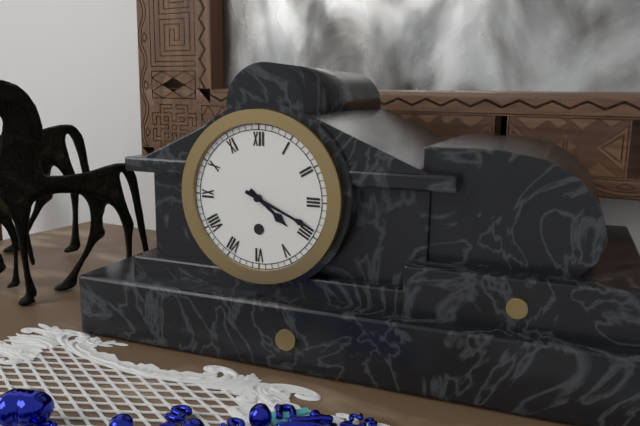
4:19
